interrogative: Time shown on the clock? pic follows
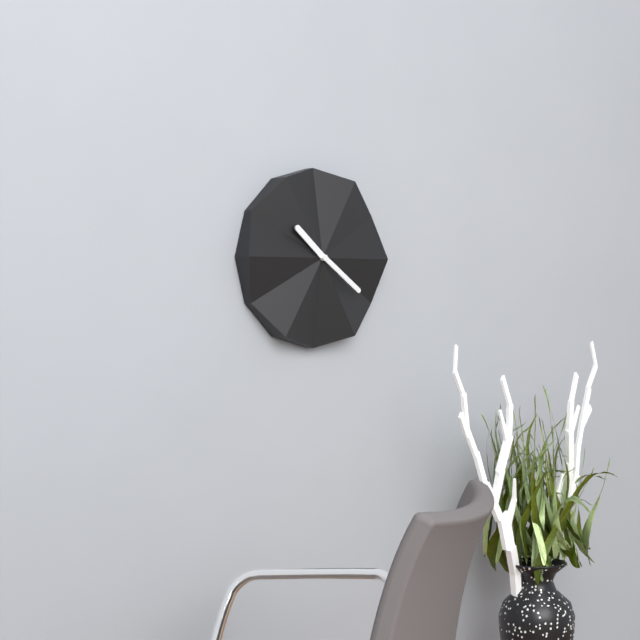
10:21
